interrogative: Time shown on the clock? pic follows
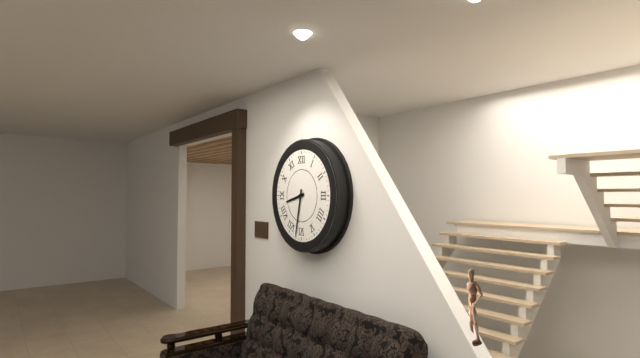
8:32
